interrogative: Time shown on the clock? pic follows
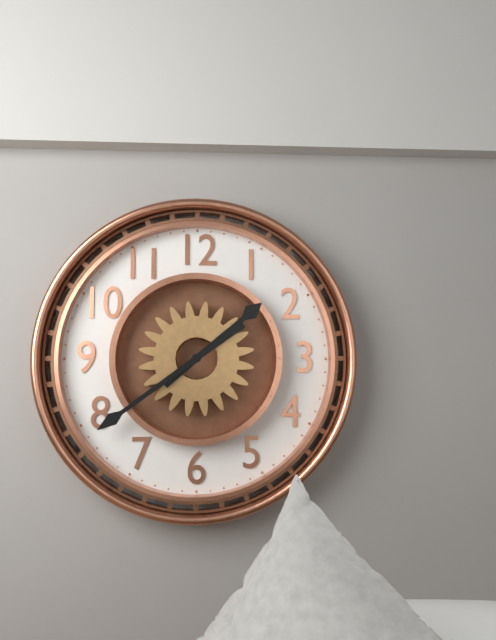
1:39
